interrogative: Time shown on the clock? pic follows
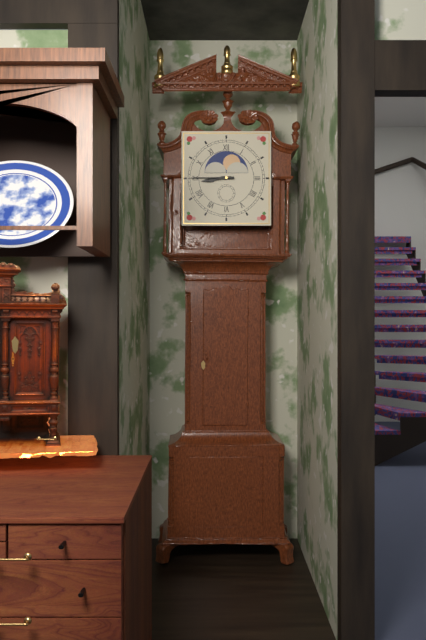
8:45
